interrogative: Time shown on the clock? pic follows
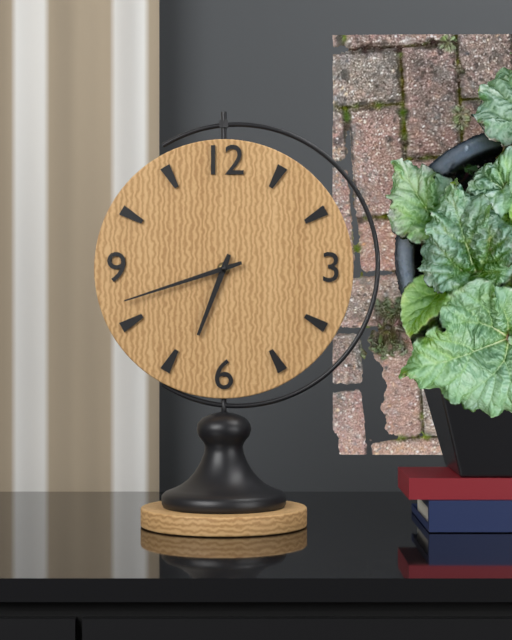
6:42
